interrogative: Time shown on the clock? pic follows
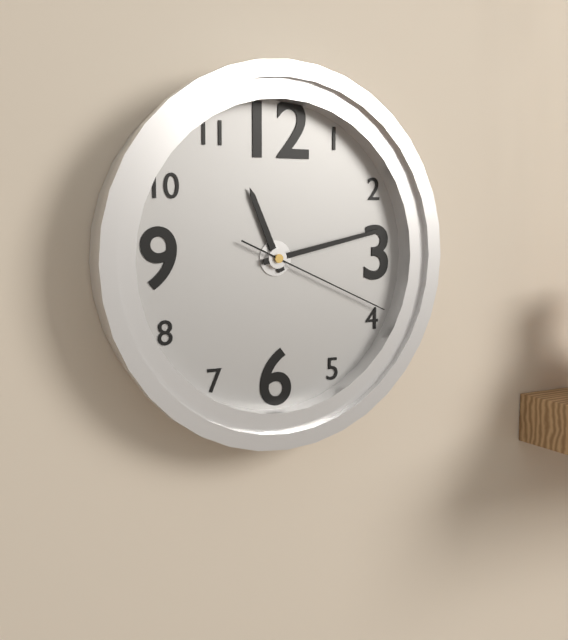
11:13:19
